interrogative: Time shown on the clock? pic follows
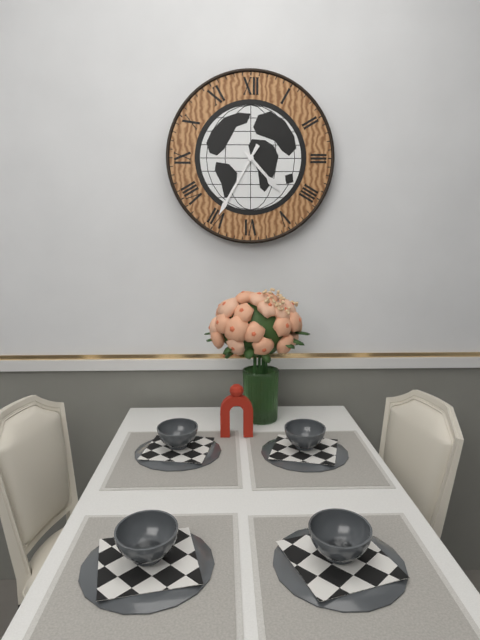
4:35
